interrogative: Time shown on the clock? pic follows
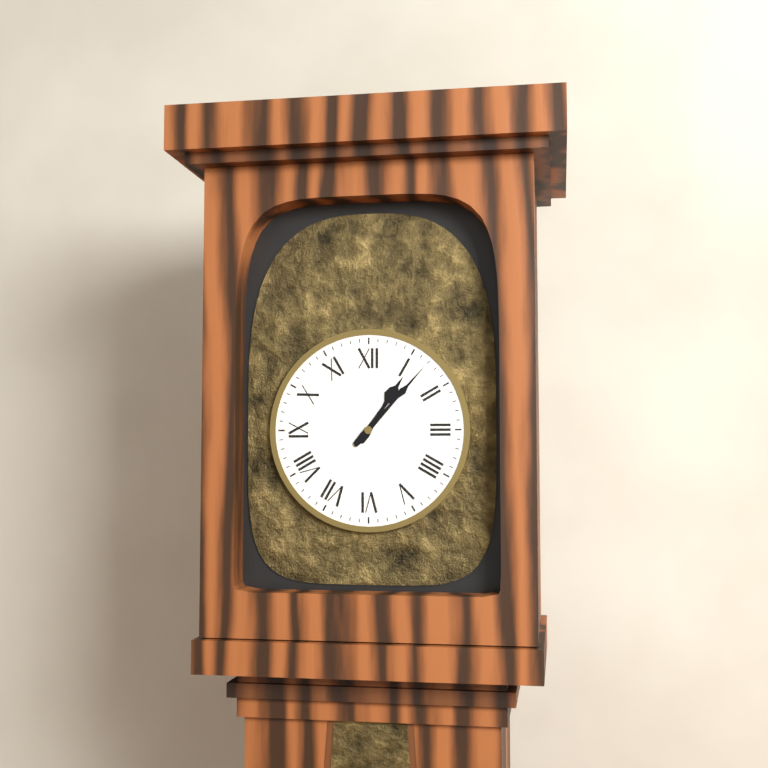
1:07
